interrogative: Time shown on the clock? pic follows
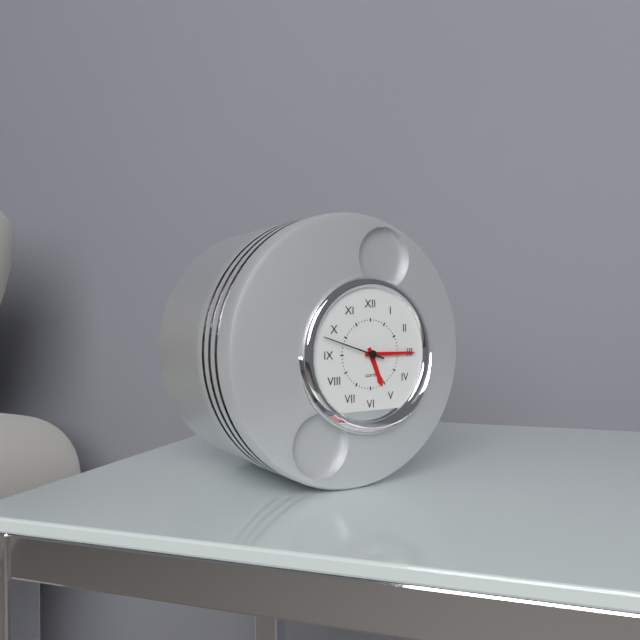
5:15:48
